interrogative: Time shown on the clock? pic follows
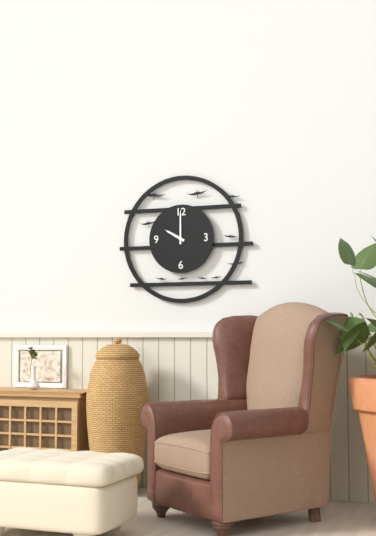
10:00
